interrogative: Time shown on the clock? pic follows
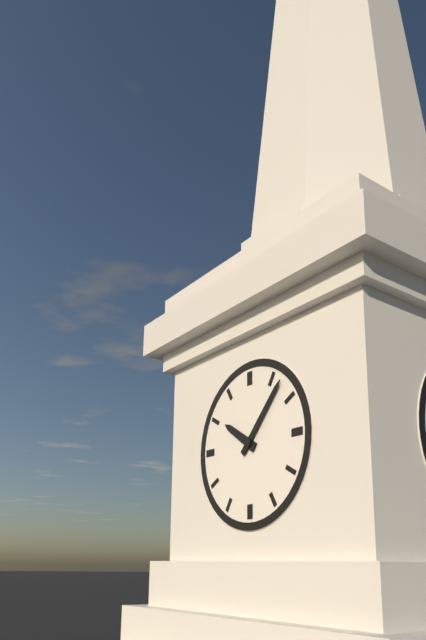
10:07
